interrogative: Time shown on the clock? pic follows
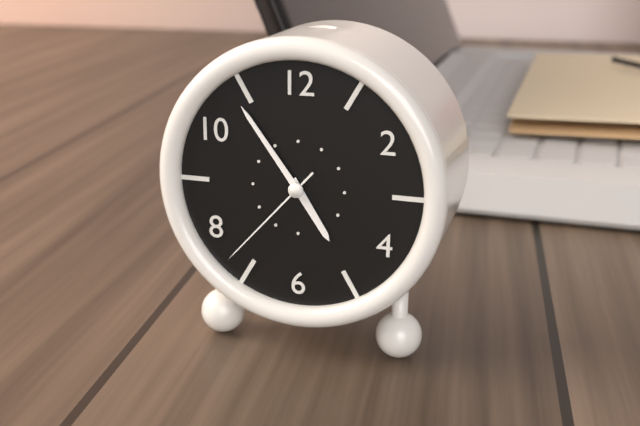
4:54:37
